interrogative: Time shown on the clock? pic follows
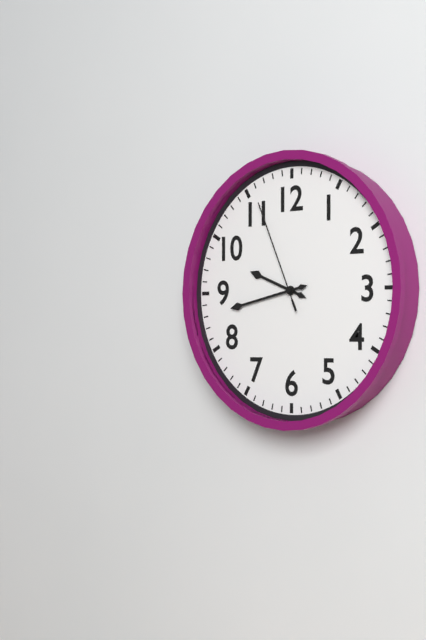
9:43:56
